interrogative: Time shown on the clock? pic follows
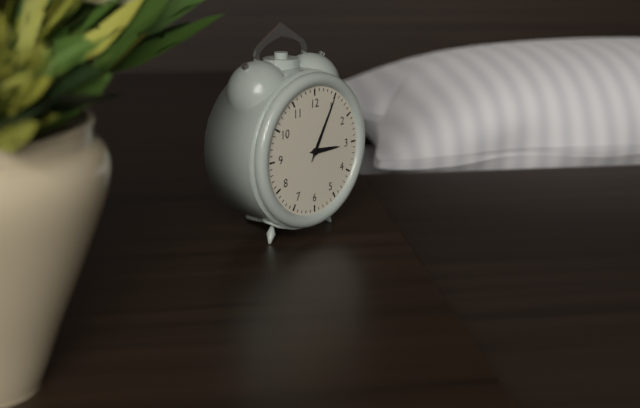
3:05
